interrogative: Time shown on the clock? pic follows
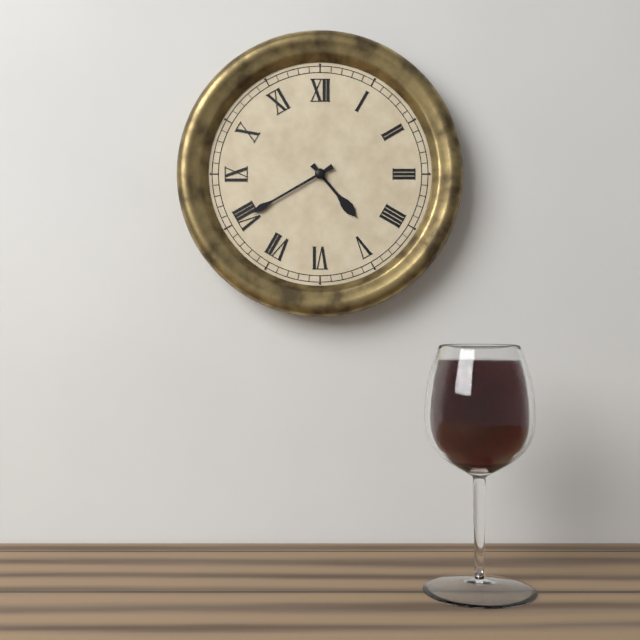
4:40
